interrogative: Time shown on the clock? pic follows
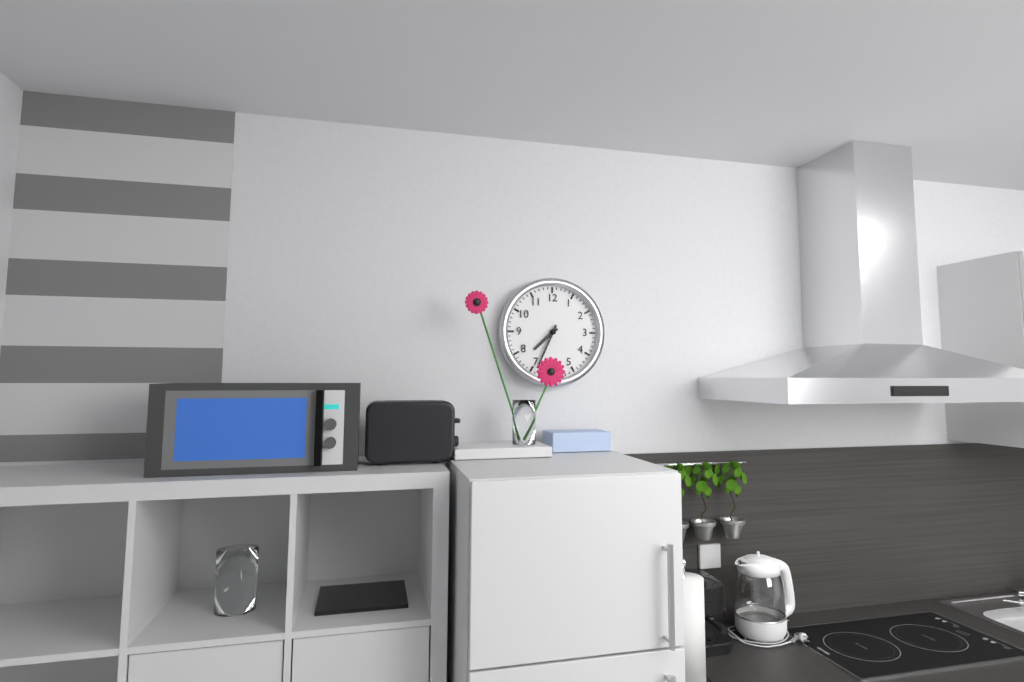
7:34
